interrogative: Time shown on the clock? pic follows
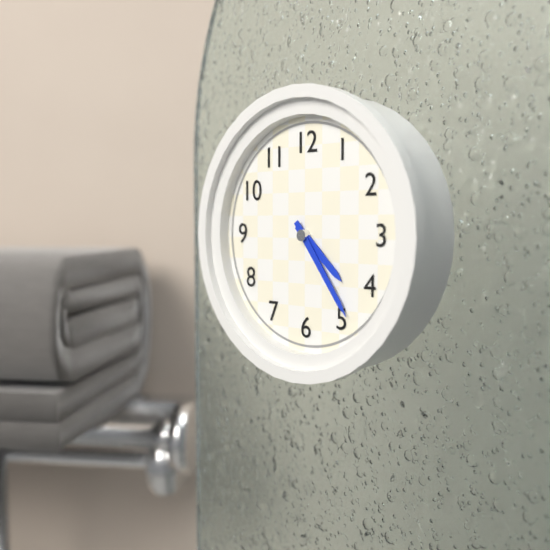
4:24
